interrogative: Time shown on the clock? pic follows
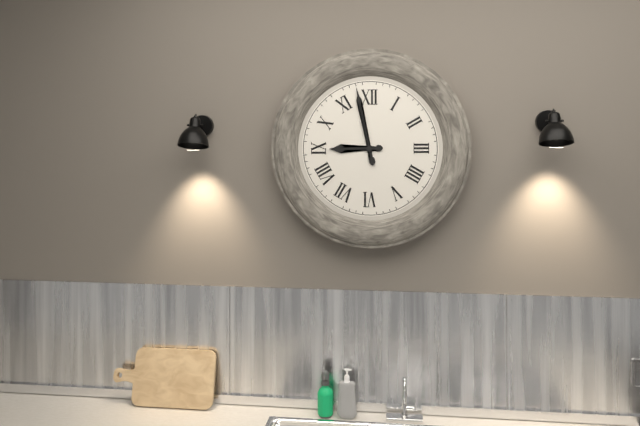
8:58
